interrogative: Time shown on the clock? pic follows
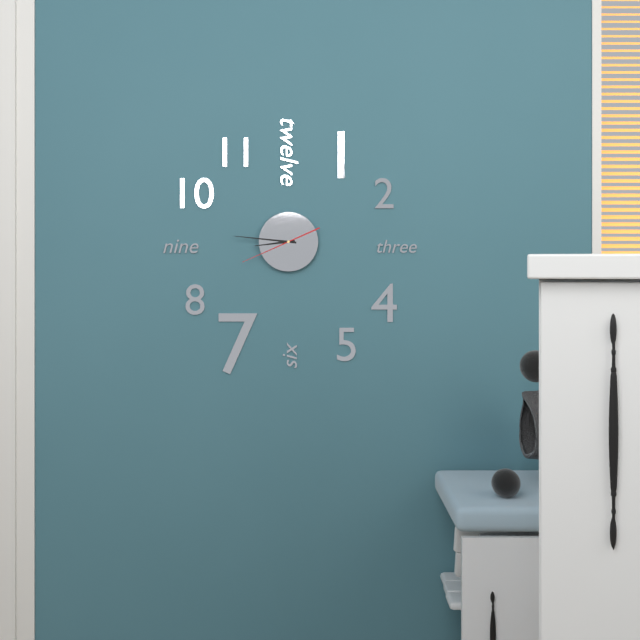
8:46:41
